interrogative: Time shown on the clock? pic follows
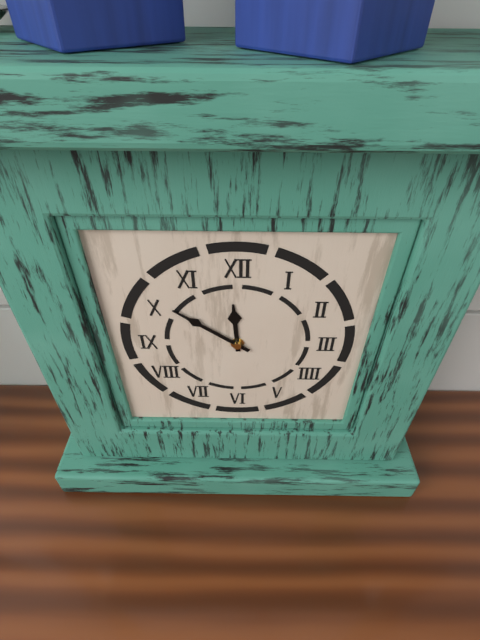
11:51
